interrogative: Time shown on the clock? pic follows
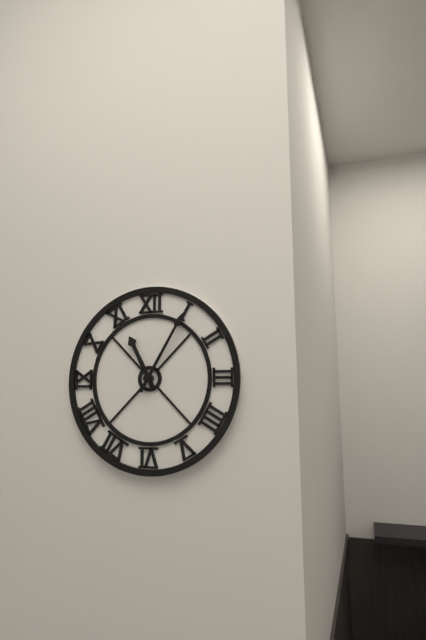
11:05
